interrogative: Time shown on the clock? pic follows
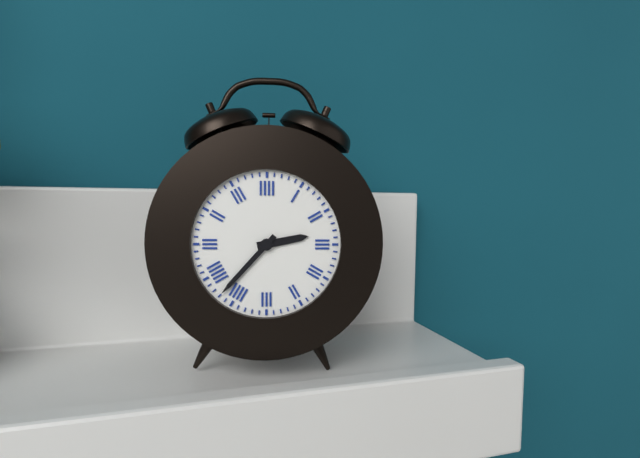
2:37
